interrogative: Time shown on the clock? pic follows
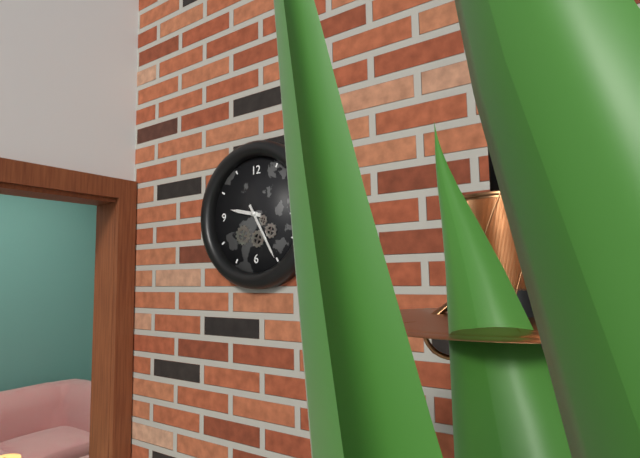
9:25
